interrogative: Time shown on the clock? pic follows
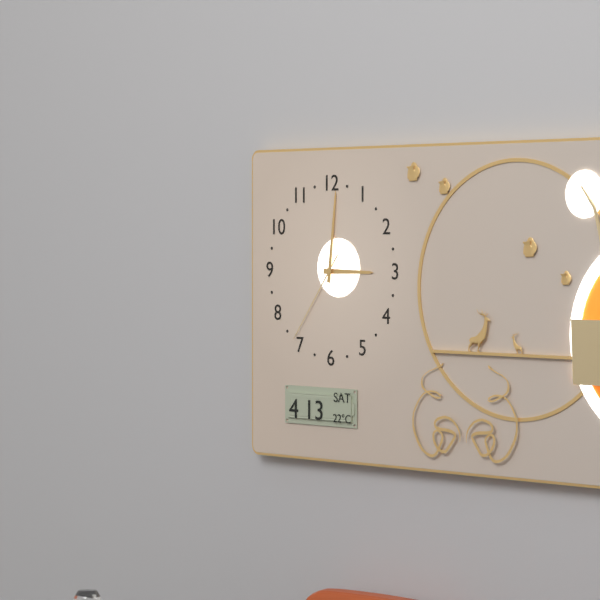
3:01:36
